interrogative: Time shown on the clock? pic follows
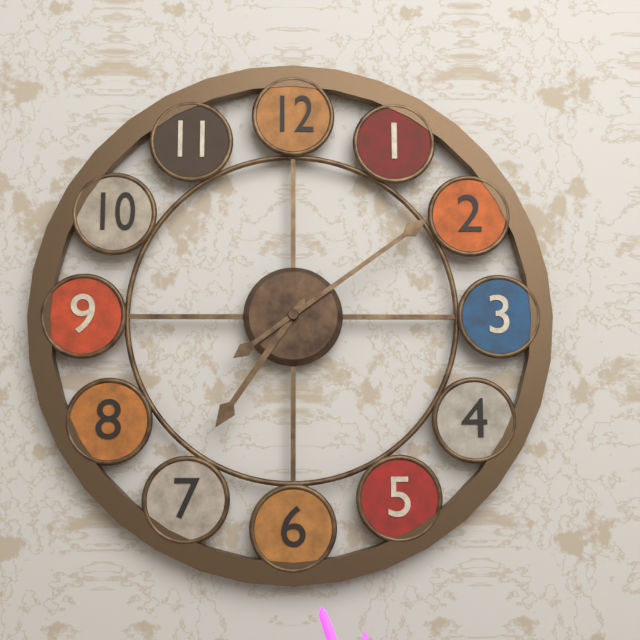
7:09
